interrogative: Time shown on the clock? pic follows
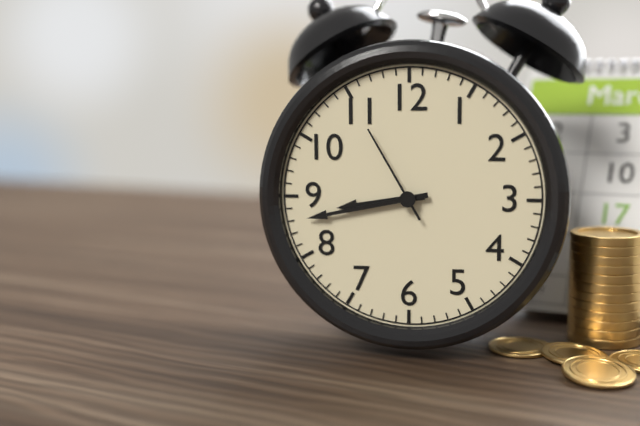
8:43:55
